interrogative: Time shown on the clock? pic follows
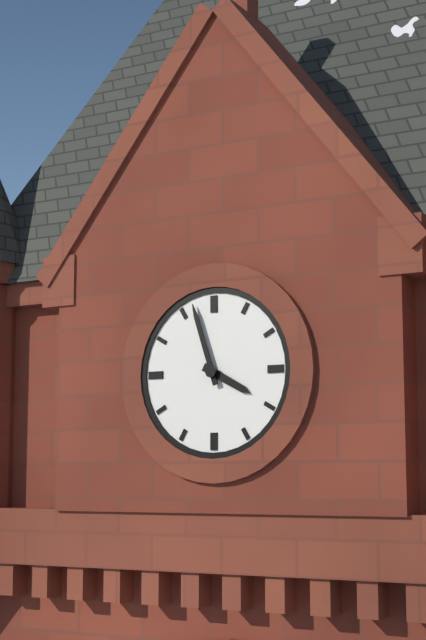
3:57
